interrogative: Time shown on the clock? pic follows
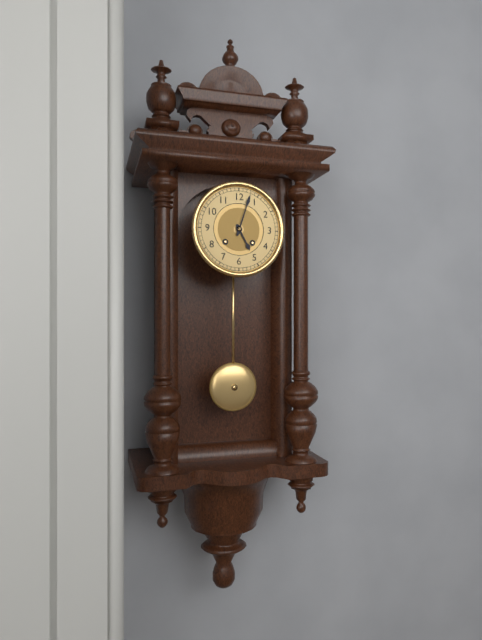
5:03
